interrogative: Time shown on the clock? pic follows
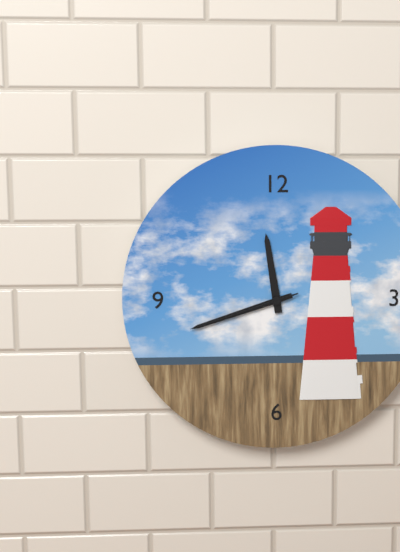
11:42:42
